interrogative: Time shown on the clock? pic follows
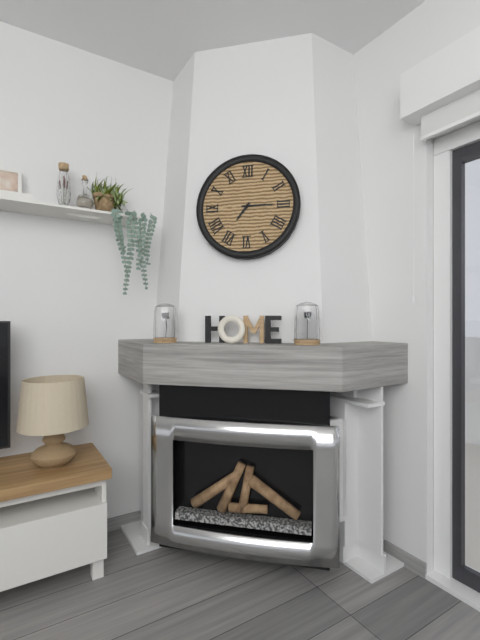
7:15
